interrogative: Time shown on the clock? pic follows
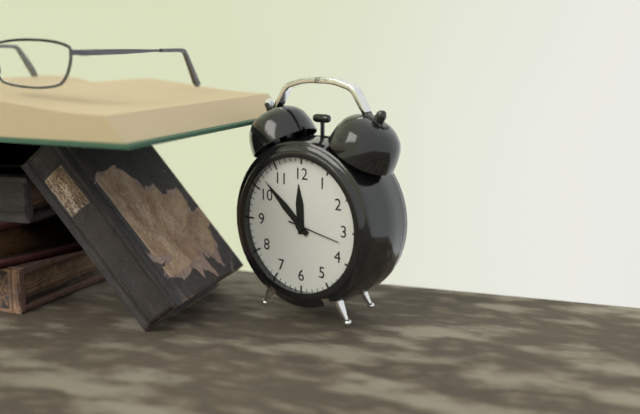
11:52:17
